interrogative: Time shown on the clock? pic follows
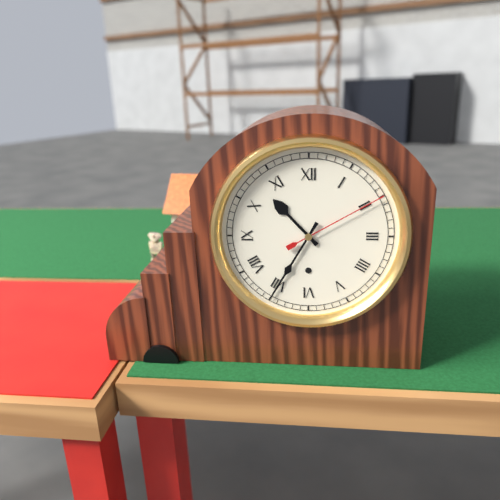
10:35:10
